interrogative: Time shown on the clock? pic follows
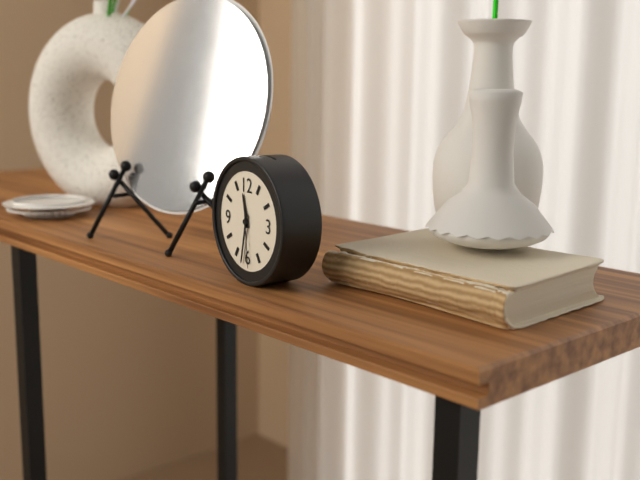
11:32:29
